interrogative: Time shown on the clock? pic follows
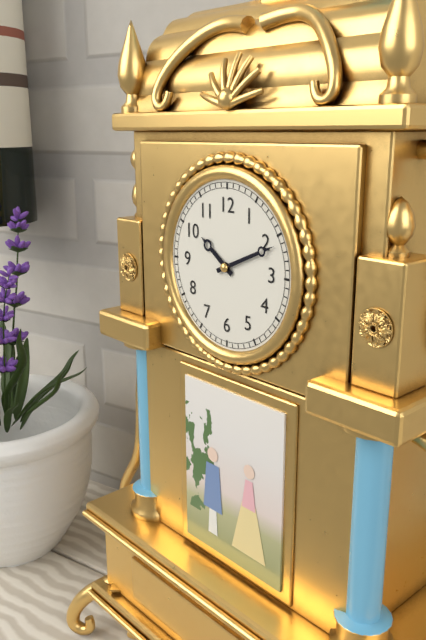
10:11
